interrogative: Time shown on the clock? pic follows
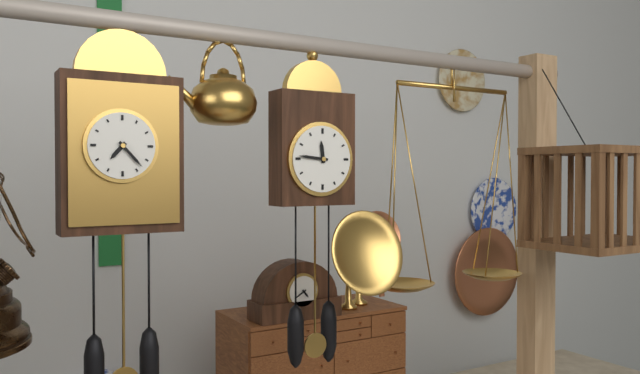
11:46
